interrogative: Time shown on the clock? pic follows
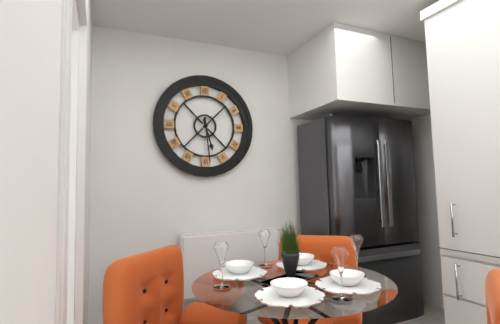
5:29
